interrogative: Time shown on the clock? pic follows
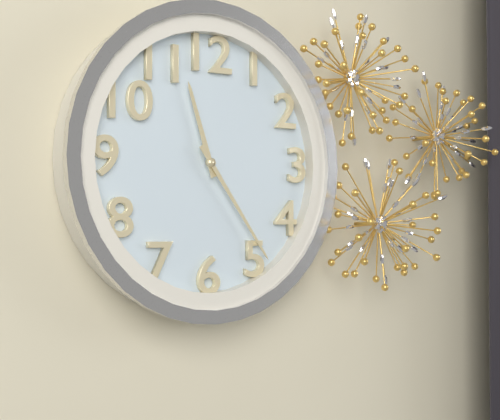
11:24
